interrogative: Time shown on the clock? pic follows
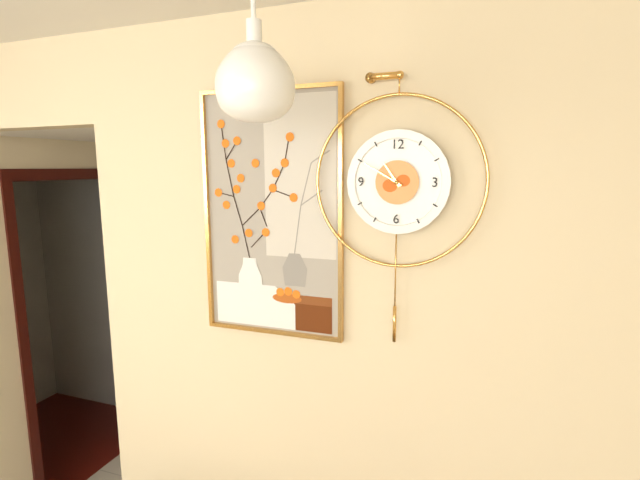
10:50
